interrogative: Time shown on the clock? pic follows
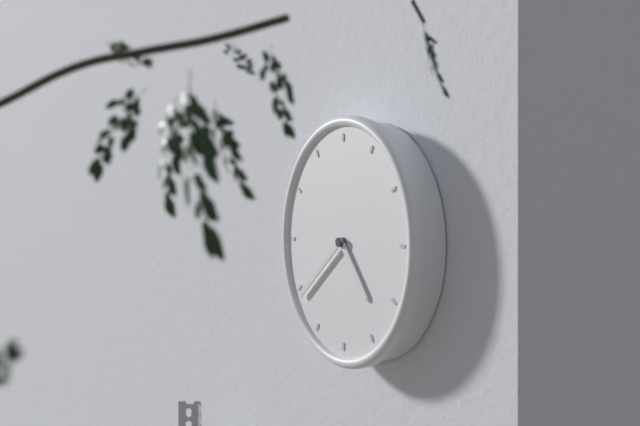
4:39
